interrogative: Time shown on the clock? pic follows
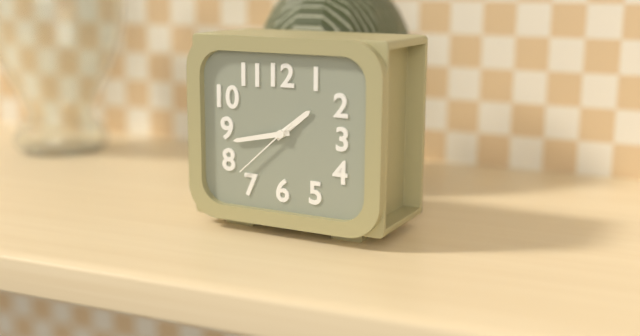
1:43:38
